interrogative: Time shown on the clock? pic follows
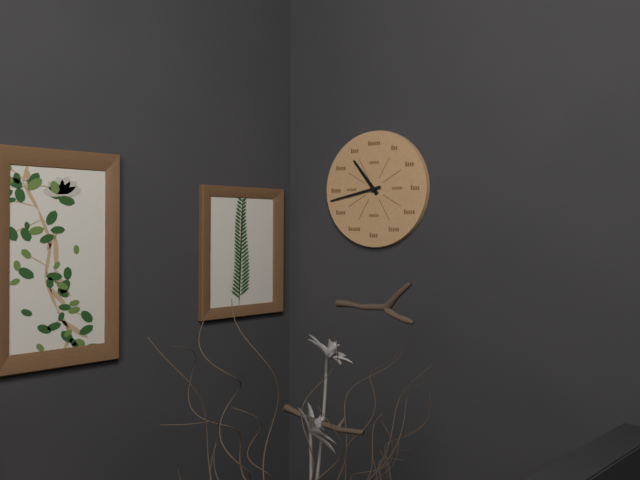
10:43
